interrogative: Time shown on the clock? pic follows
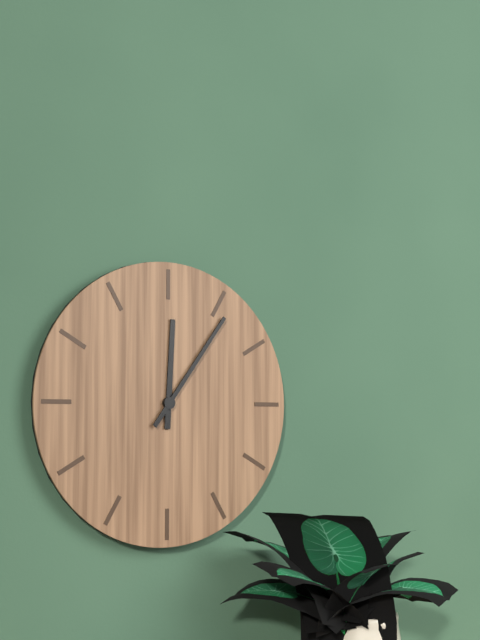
12:06
